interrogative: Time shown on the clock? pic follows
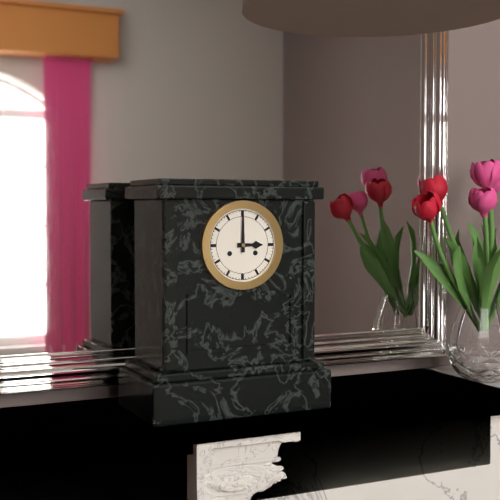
3:00
